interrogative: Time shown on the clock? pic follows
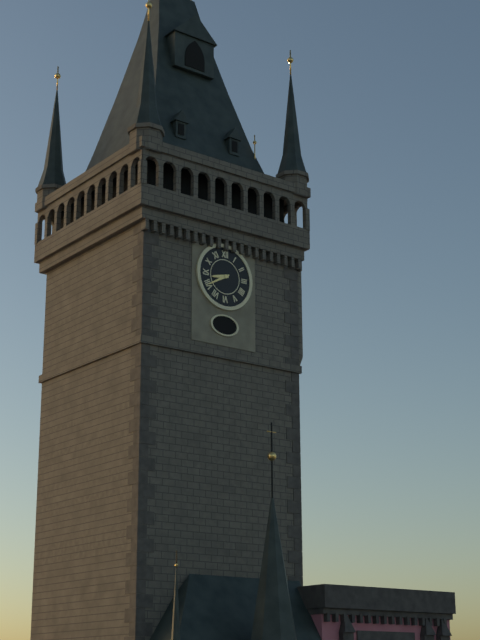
8:40
